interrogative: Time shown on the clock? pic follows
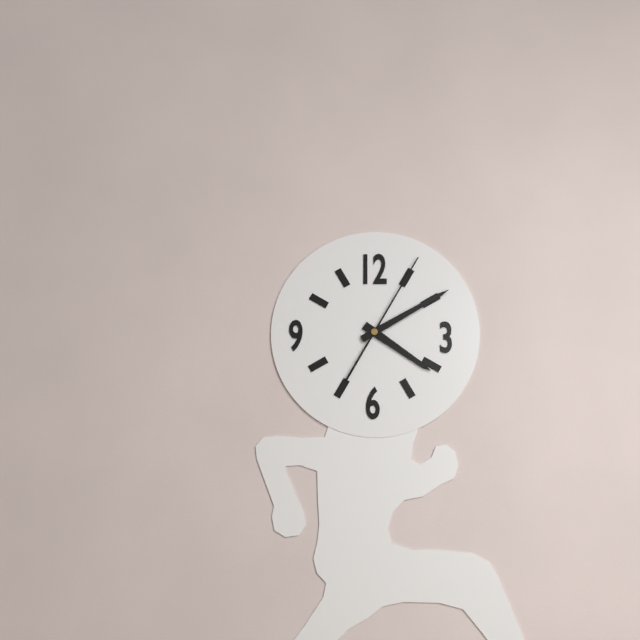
4:10:05
